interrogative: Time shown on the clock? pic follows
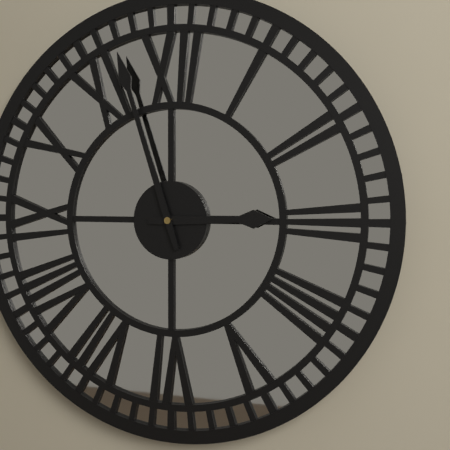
2:57
